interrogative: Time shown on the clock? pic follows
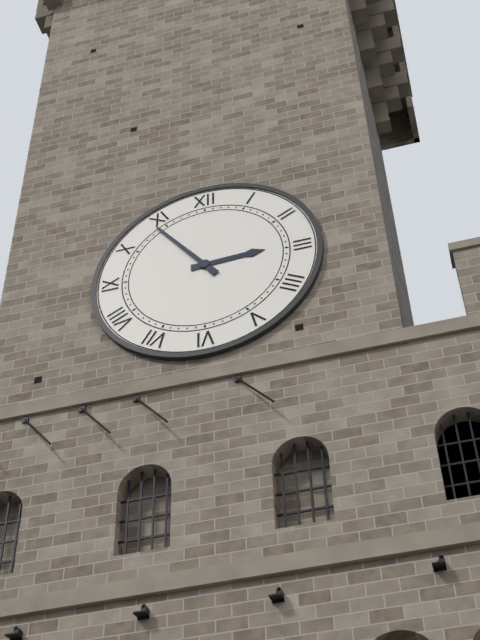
2:54
